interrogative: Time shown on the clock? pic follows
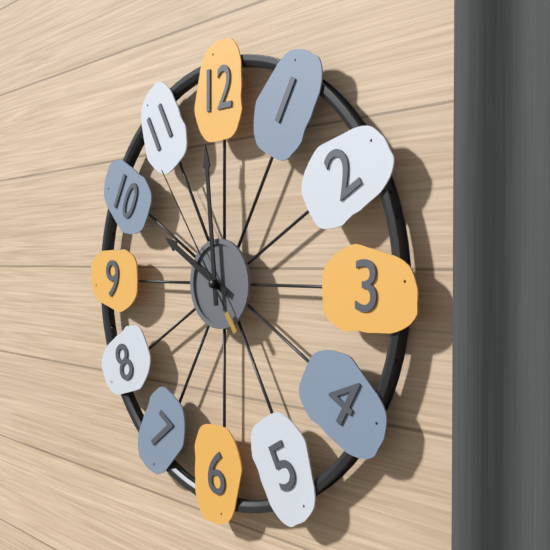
9:59:54
